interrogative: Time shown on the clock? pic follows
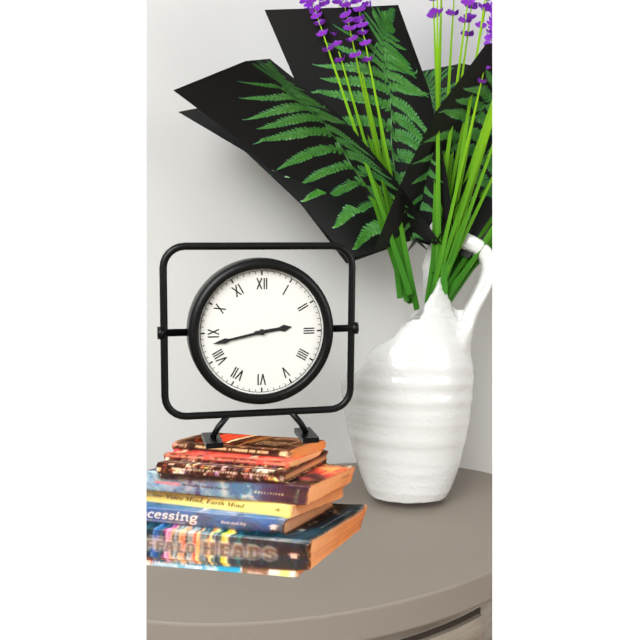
2:43
